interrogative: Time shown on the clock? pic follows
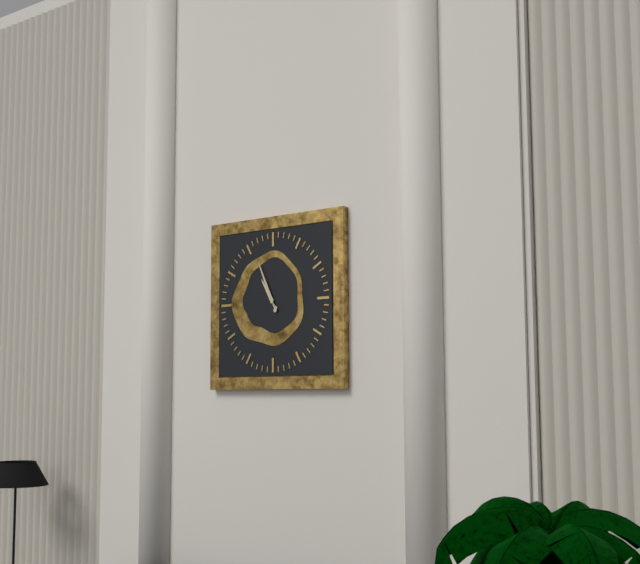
10:56
